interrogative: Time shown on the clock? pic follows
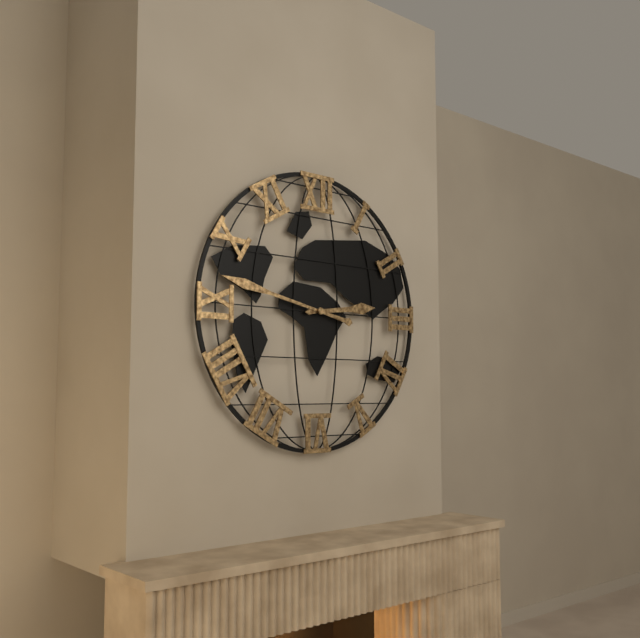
2:47
